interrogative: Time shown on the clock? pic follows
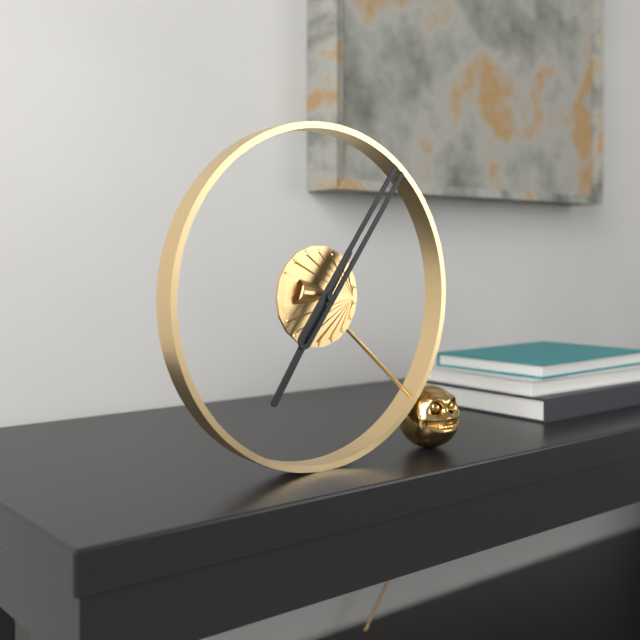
7:06
